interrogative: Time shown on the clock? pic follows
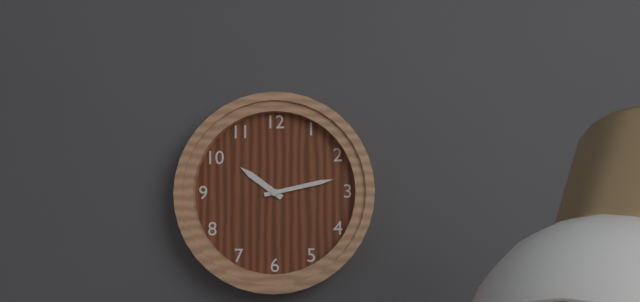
10:13
